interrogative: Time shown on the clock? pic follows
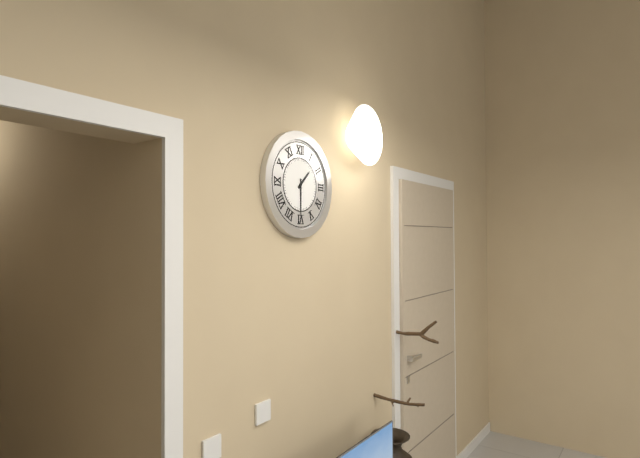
1:30
